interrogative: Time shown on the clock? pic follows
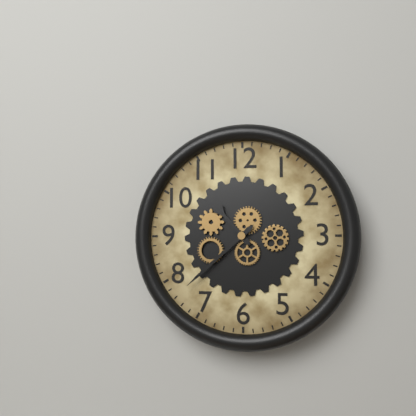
10:38
